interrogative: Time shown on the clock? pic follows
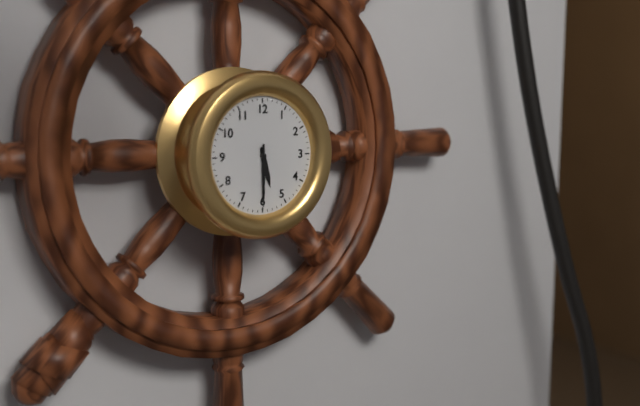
5:30
